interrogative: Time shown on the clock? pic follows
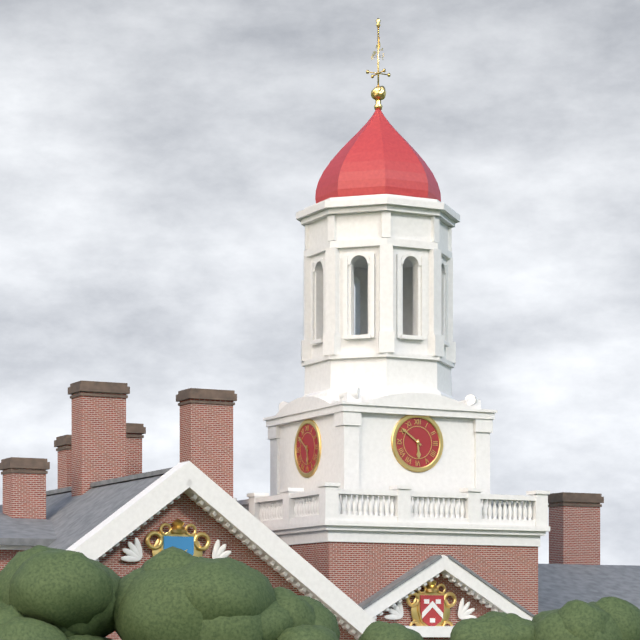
5:51
